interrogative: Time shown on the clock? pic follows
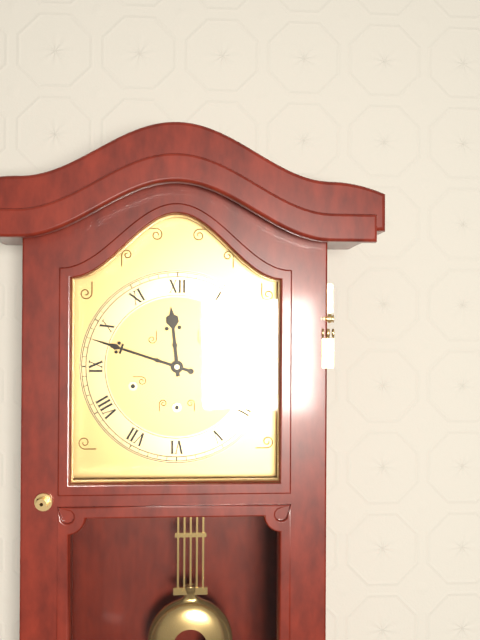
11:48
